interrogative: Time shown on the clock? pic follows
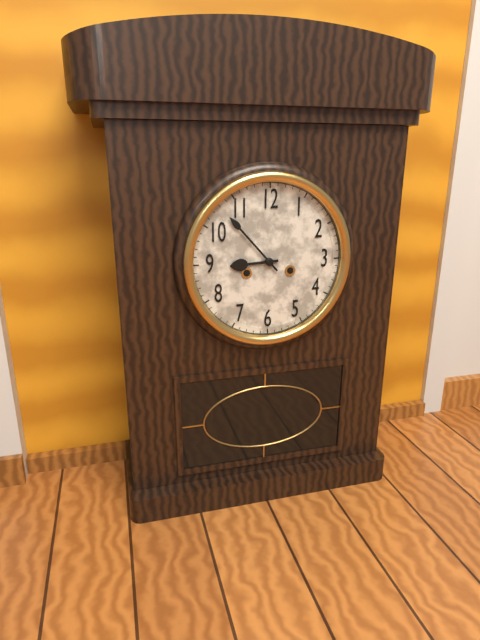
8:53
